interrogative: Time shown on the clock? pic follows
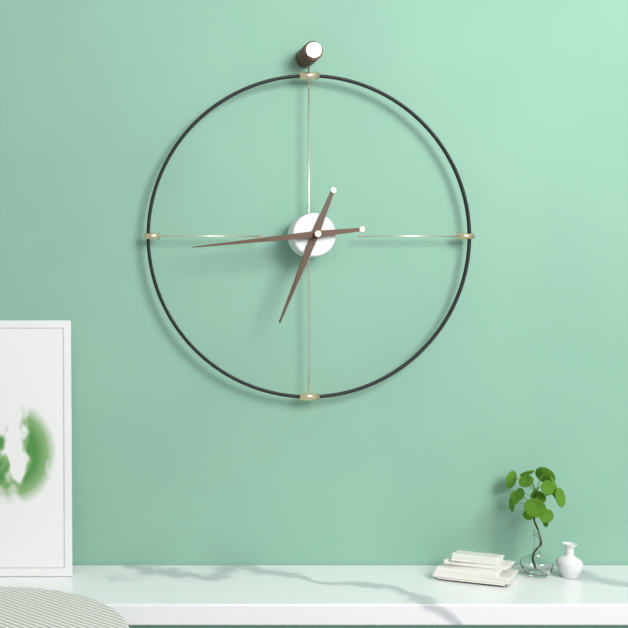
6:44
